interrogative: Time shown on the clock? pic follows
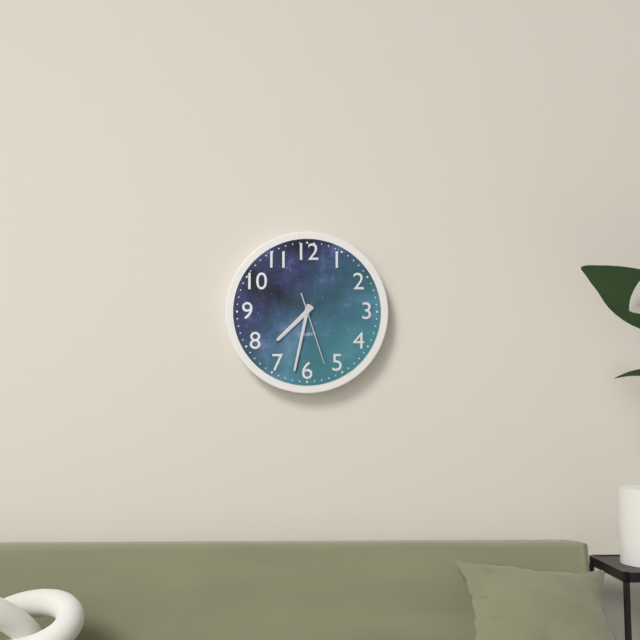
7:32:27
